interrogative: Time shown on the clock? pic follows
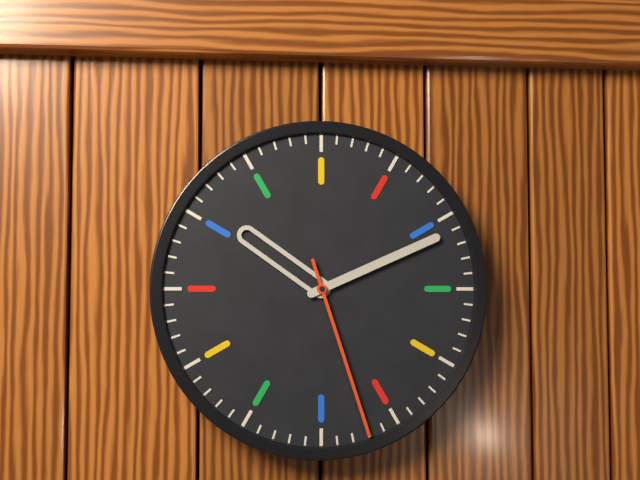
10:11:27
